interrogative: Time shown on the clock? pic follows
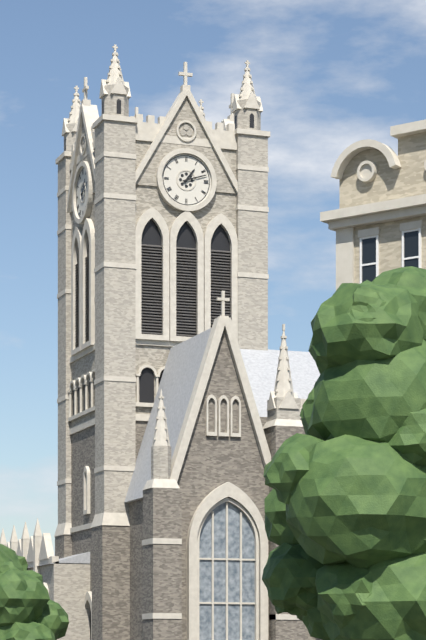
1:12
